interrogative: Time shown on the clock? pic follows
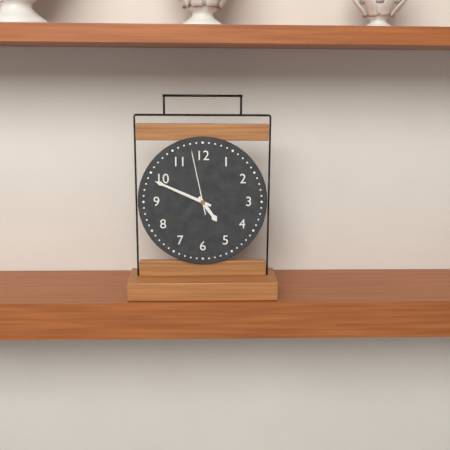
4:49:58
